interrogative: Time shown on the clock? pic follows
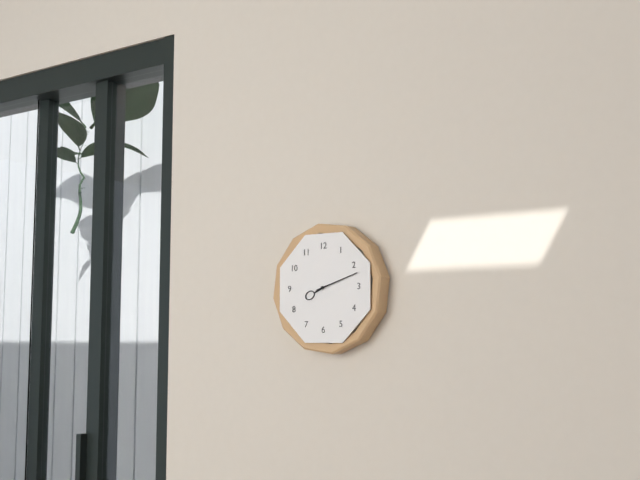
8:12
